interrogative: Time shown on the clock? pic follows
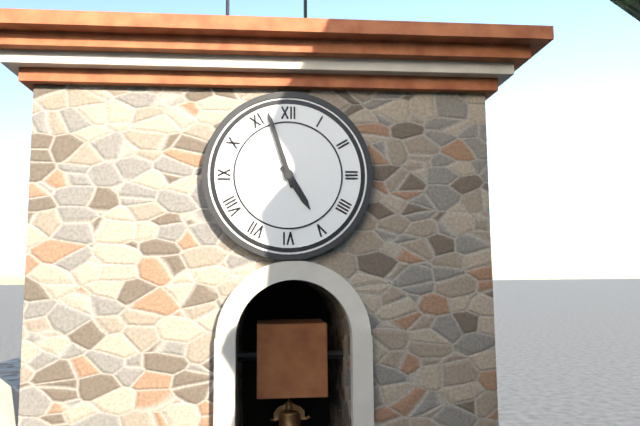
4:57
